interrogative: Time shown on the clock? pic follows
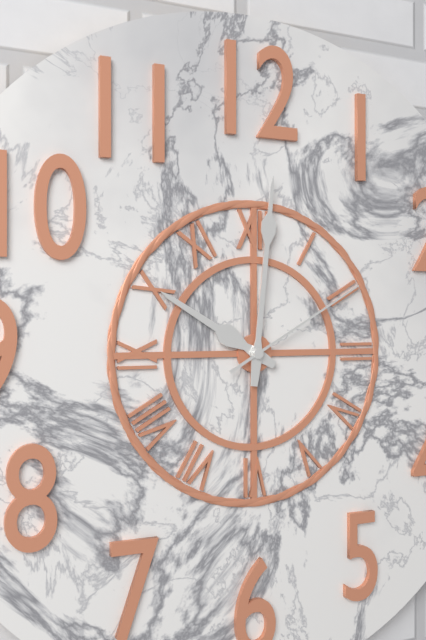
10:01:10
